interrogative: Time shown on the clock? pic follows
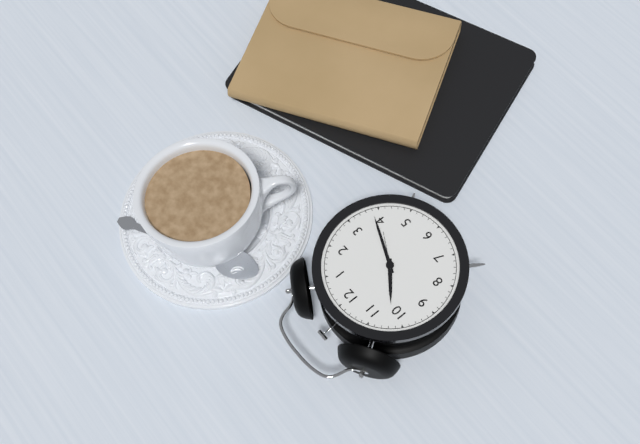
10:19
